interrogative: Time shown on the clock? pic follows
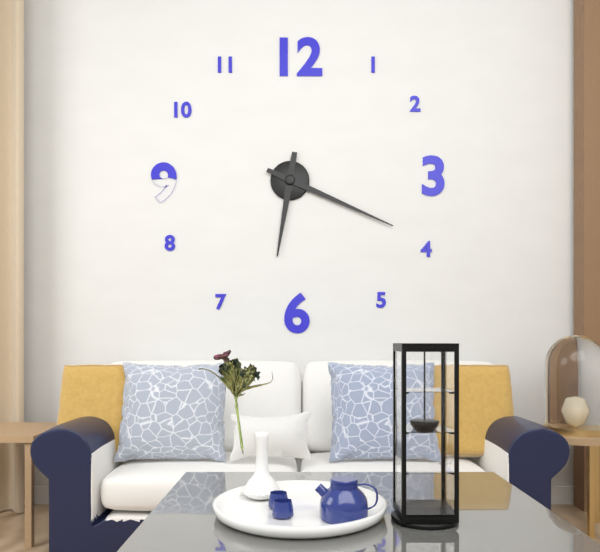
6:19
